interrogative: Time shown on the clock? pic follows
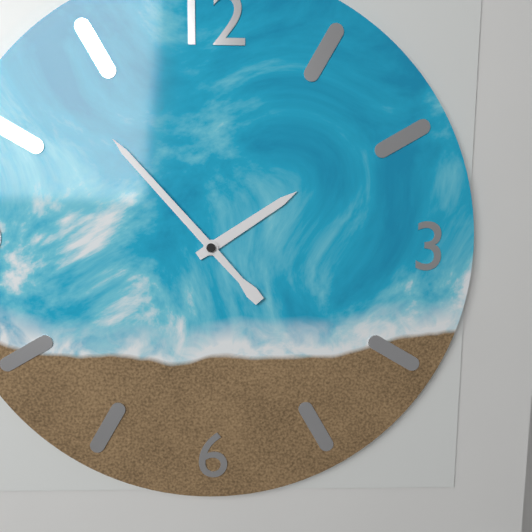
1:53
